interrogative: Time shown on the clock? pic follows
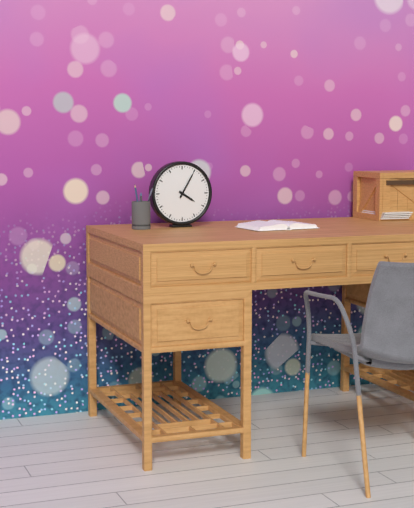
4:05
